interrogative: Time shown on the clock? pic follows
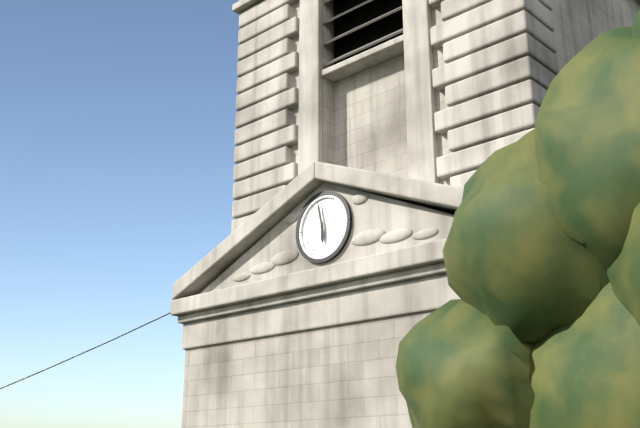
5:58
